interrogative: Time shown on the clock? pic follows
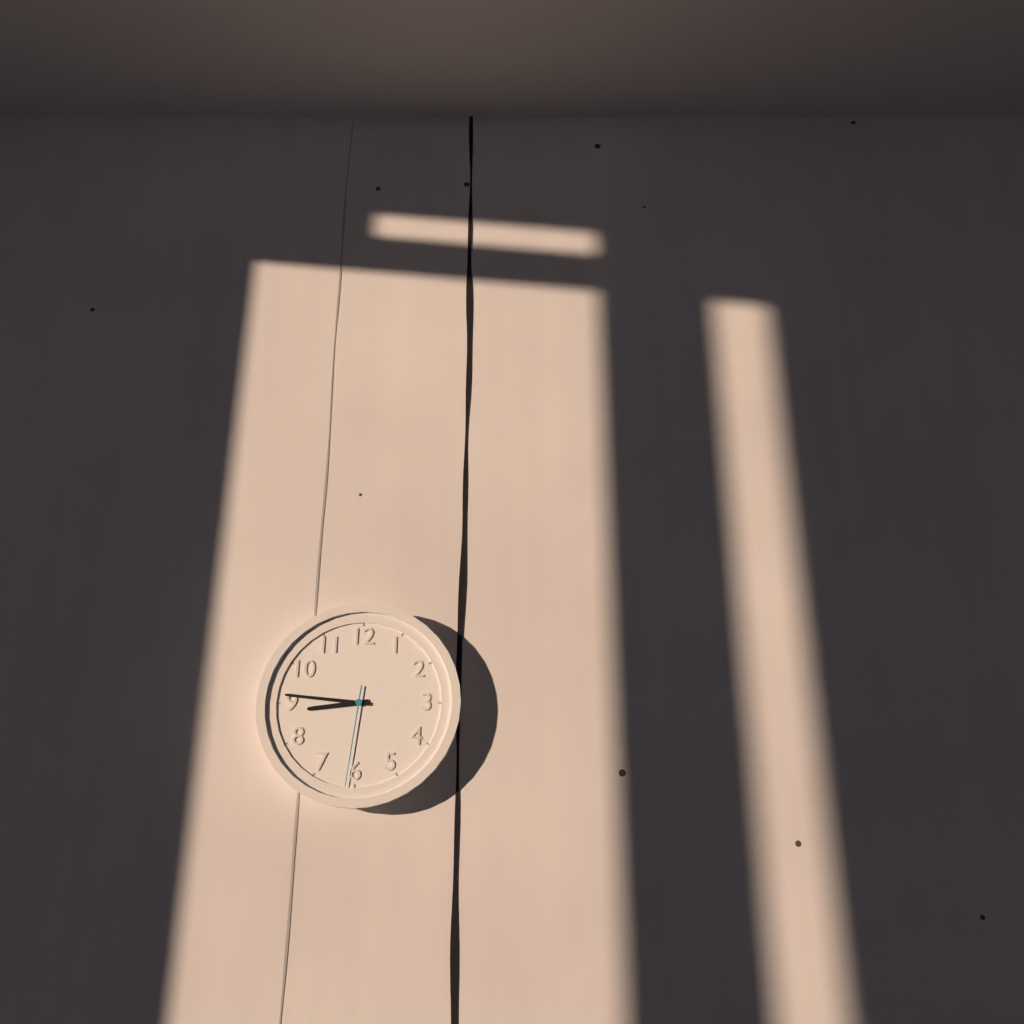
8:46:31
